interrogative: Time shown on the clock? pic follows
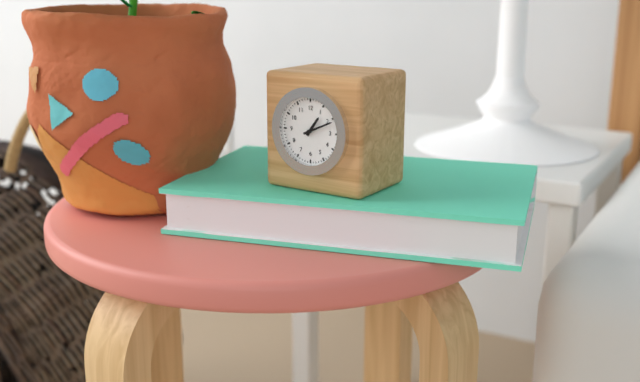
1:11
